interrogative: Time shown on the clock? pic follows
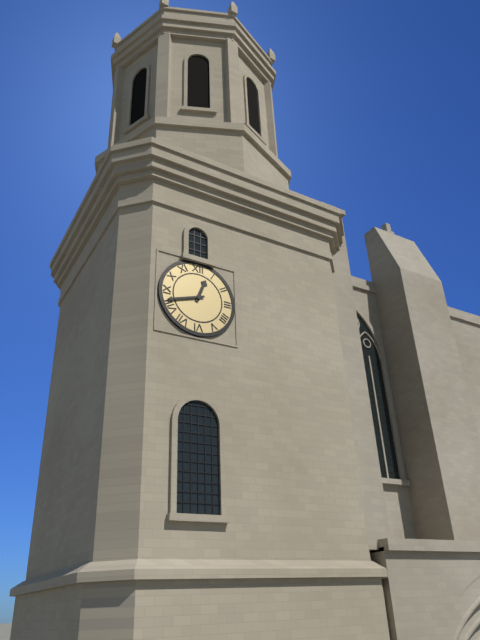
12:42
